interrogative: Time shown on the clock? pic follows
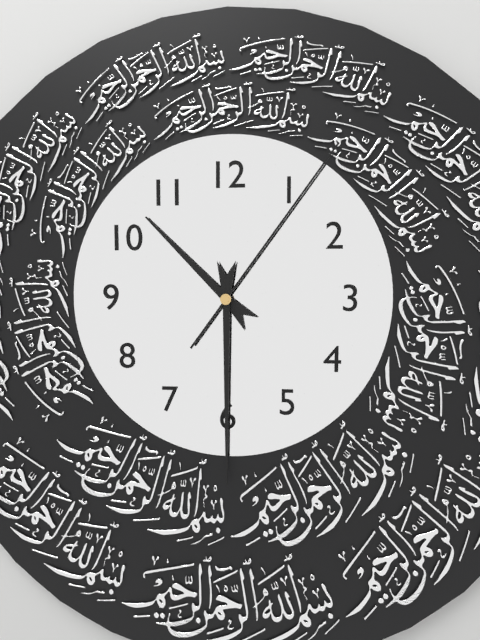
10:30:06
